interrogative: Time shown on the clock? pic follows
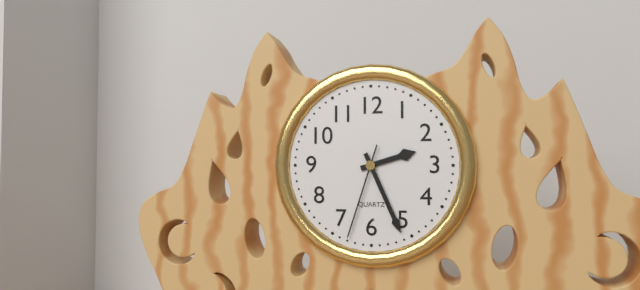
2:26:33
